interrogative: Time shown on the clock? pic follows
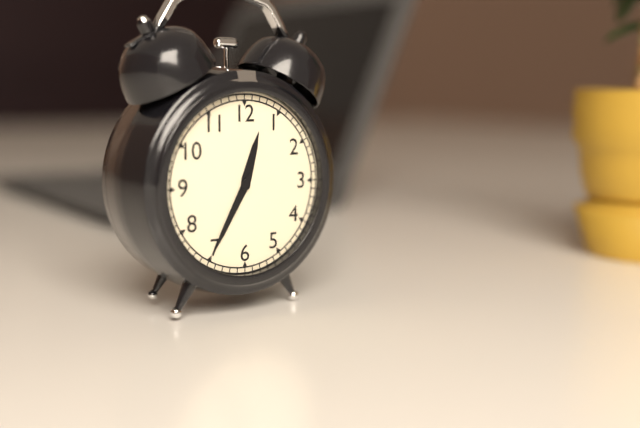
12:35
